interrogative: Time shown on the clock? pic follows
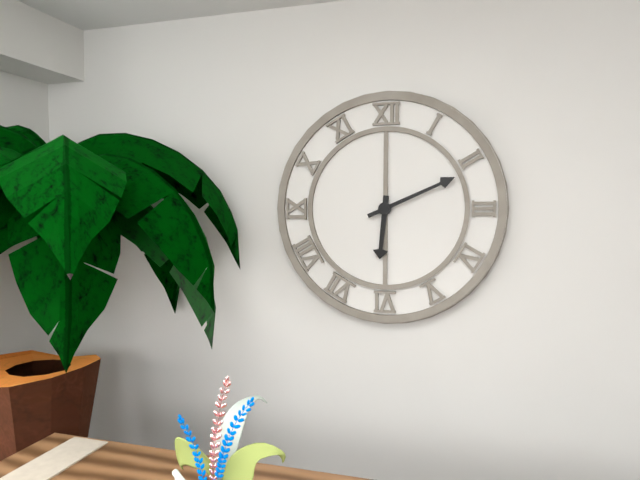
6:11
